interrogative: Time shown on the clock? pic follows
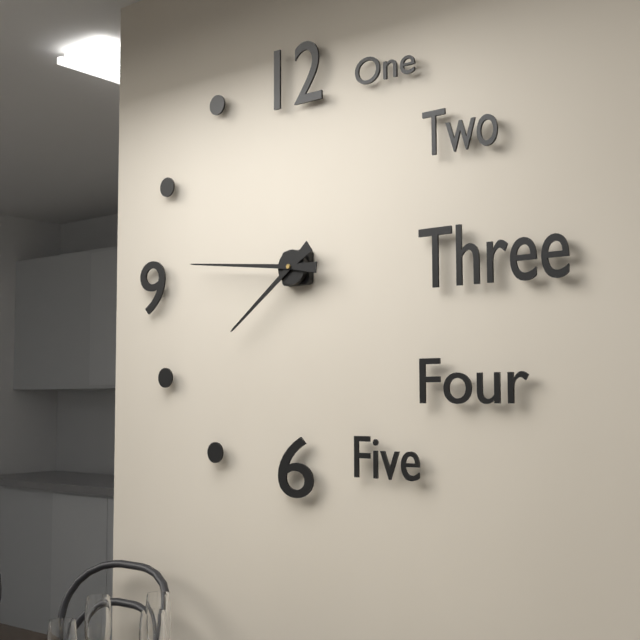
7:46
